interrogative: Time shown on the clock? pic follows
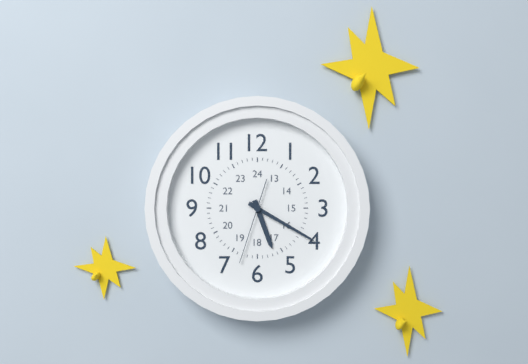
5:20:33
